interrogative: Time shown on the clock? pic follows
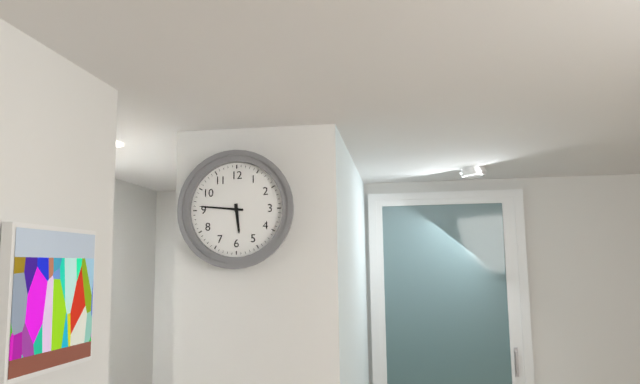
5:46
